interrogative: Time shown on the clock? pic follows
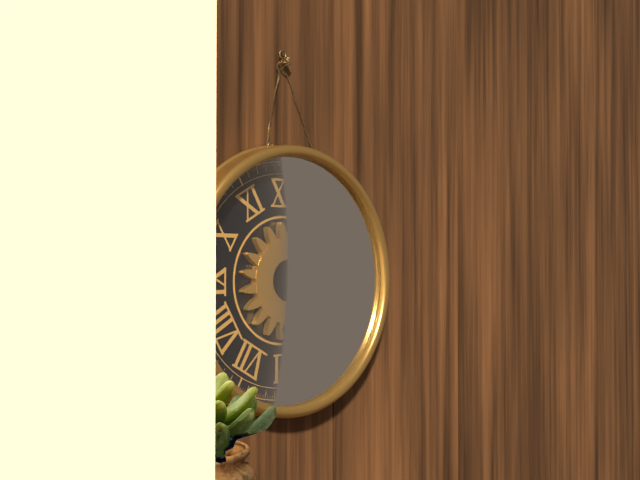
6:06
